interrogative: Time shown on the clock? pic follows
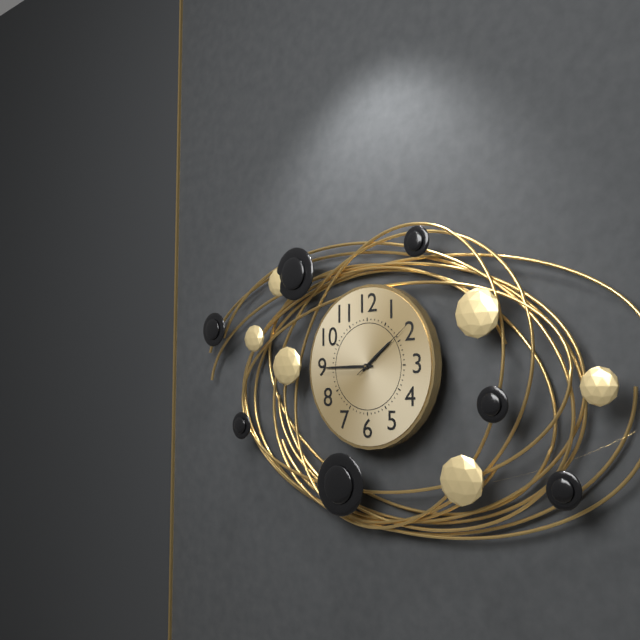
1:45:09
